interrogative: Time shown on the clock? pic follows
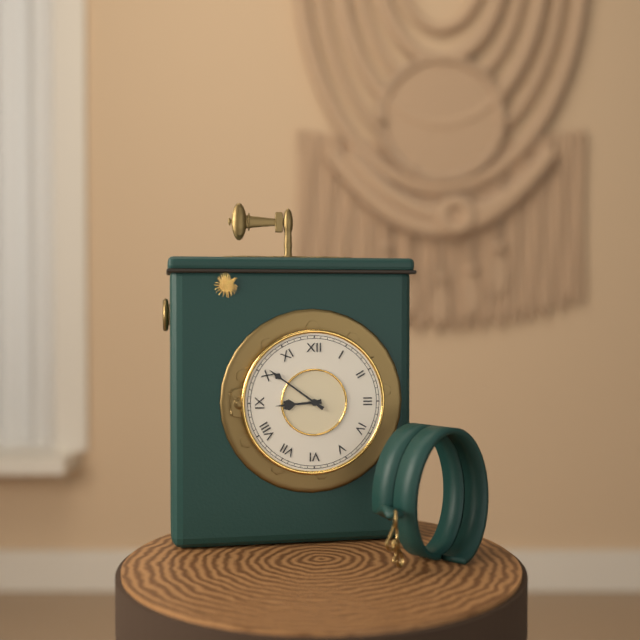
8:51
